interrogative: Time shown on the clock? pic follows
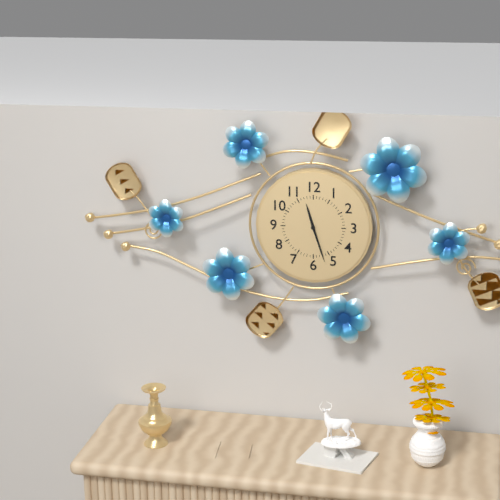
11:27
